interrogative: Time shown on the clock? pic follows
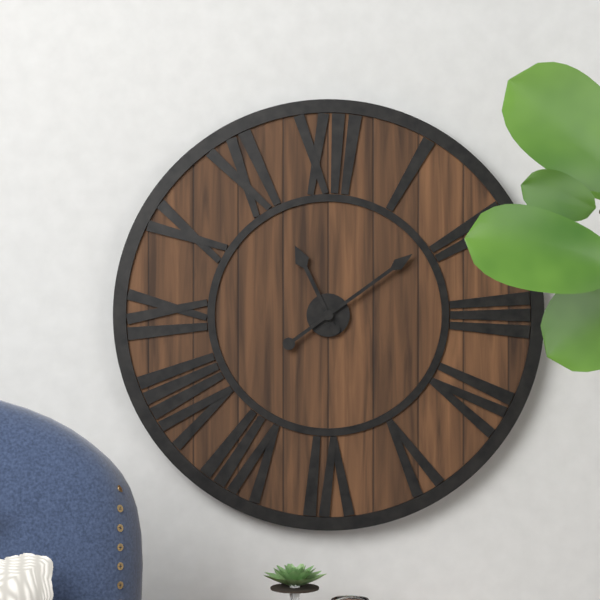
11:09
